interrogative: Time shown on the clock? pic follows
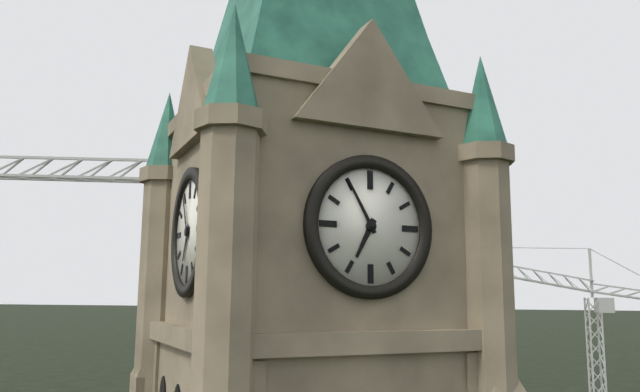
6:55
